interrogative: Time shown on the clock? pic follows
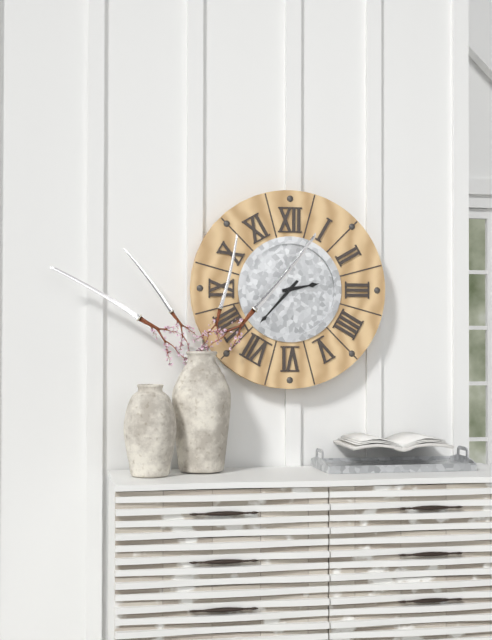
2:37
